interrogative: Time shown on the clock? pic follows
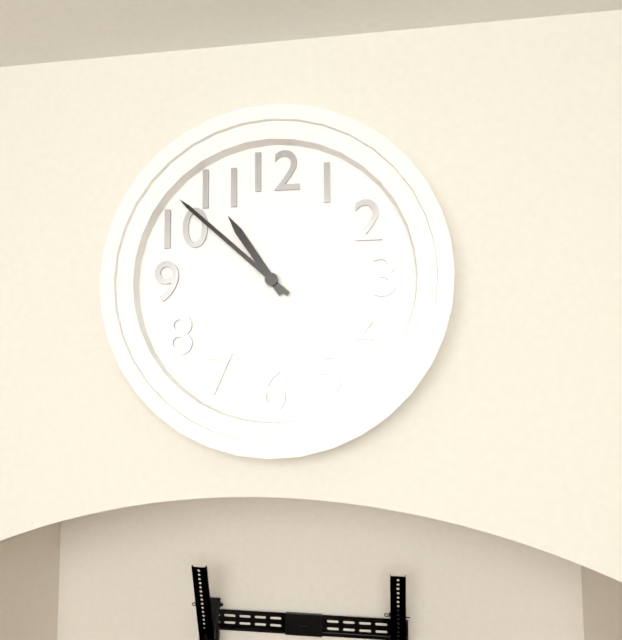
10:52
